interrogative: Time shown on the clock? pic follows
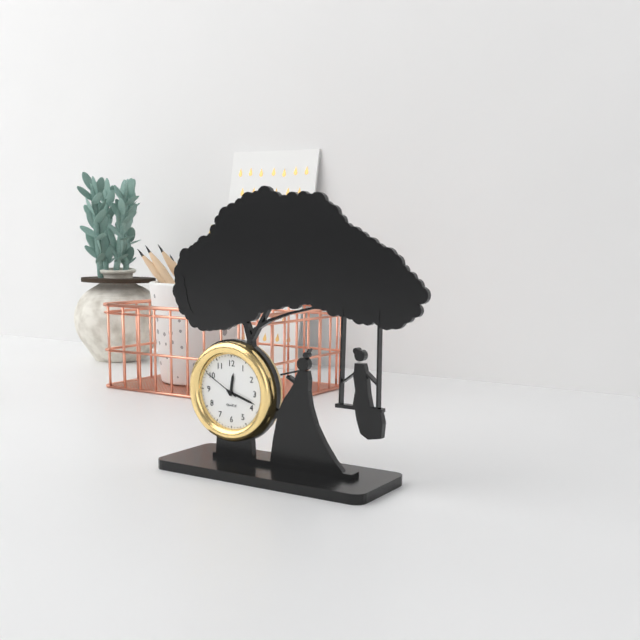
12:18
